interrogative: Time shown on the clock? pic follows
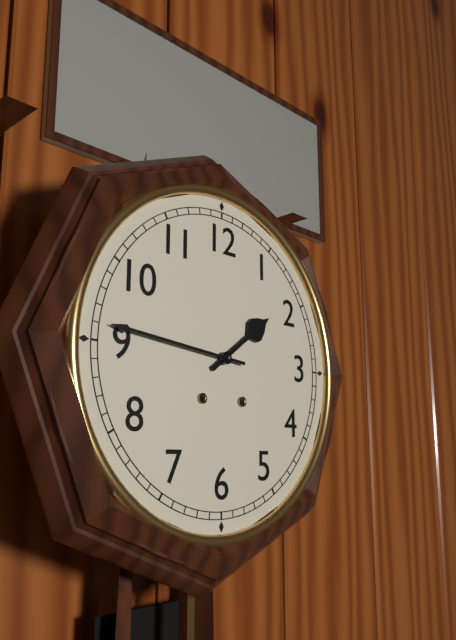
1:46
